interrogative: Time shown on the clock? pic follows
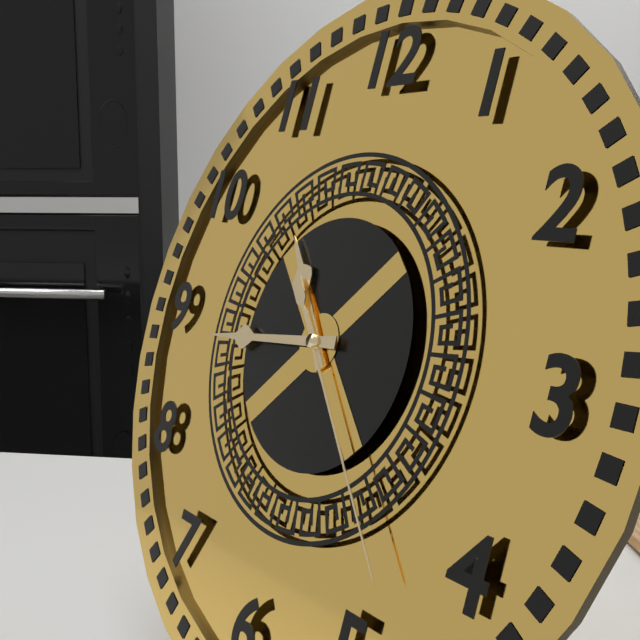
10:44:23
